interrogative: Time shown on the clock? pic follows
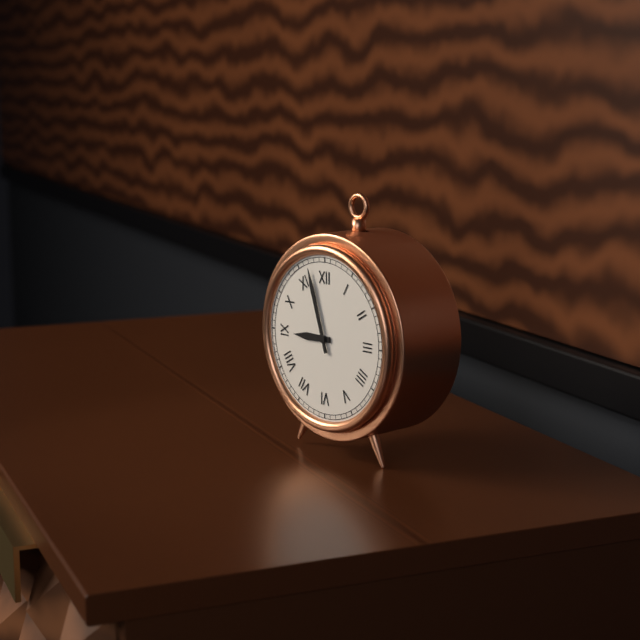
8:57
